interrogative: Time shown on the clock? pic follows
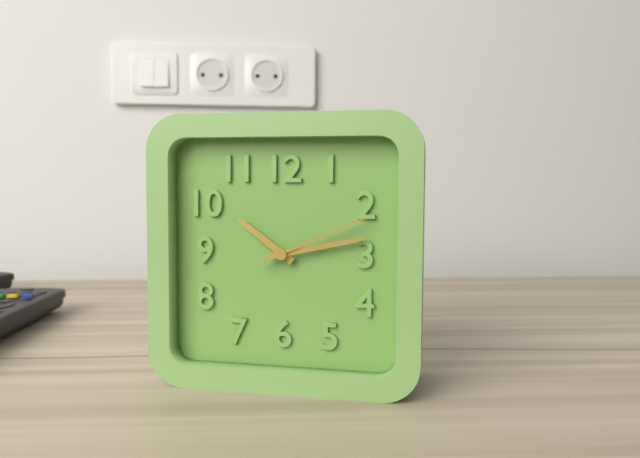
10:13:11
